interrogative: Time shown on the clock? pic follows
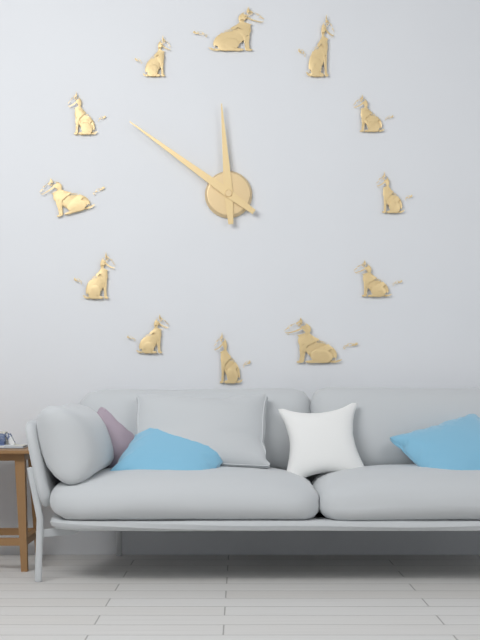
11:51
